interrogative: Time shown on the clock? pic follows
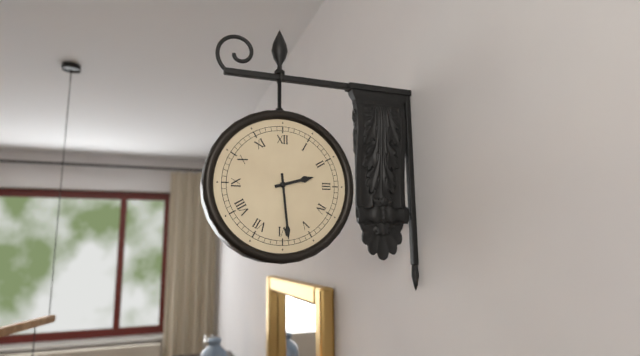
2:29
